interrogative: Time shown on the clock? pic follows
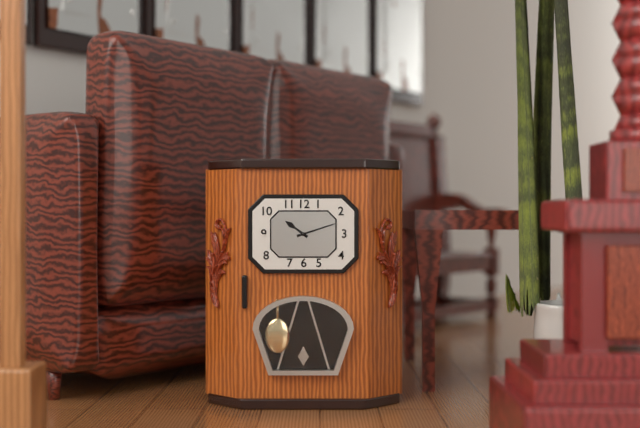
10:12
